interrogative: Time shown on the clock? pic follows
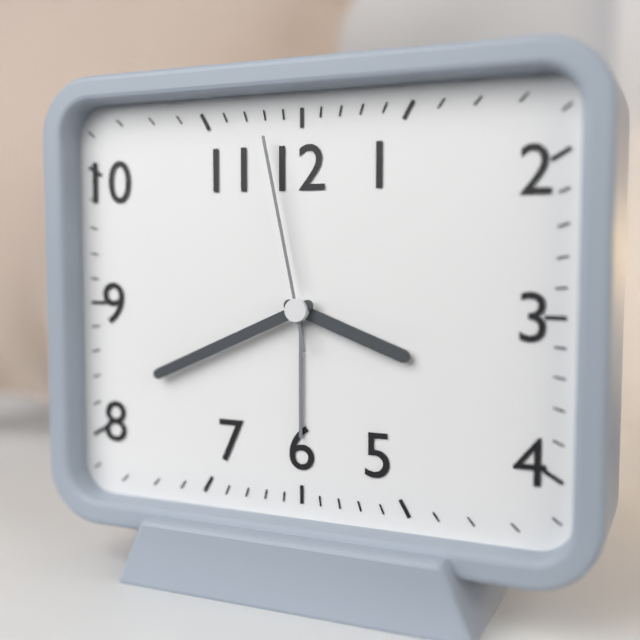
3:41:58
